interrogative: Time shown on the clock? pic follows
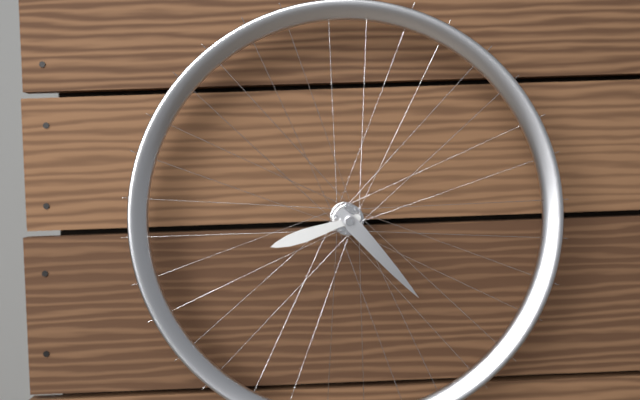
8:23
